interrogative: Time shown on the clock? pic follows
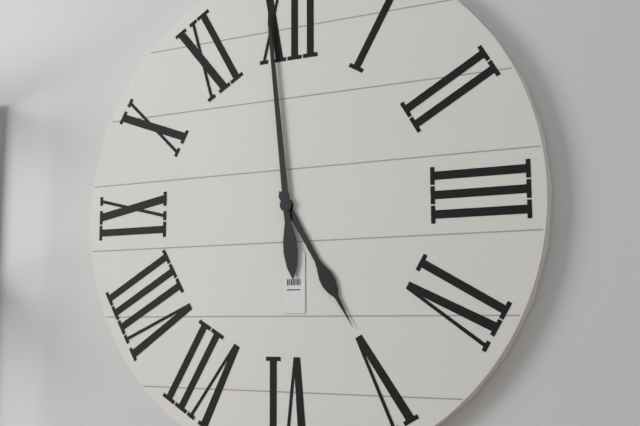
4:59
